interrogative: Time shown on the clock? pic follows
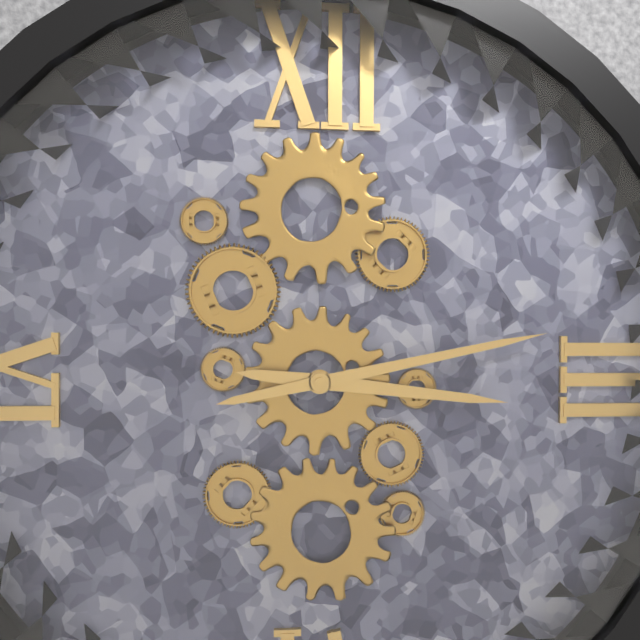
3:13
